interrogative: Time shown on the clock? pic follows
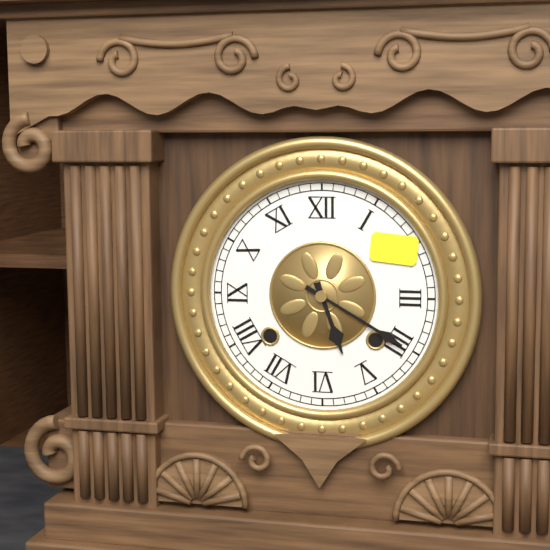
5:20
